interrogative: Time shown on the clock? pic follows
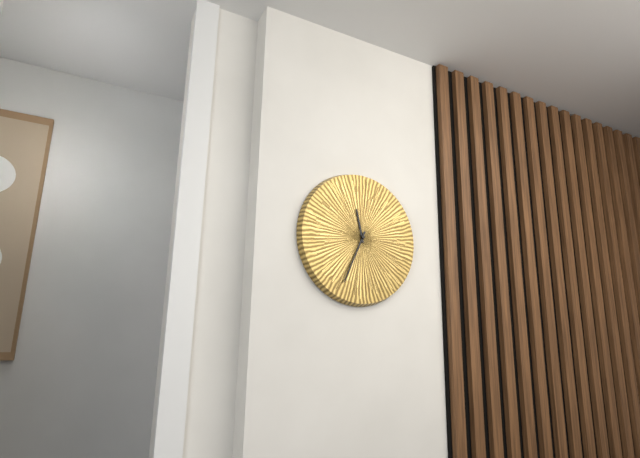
11:34
